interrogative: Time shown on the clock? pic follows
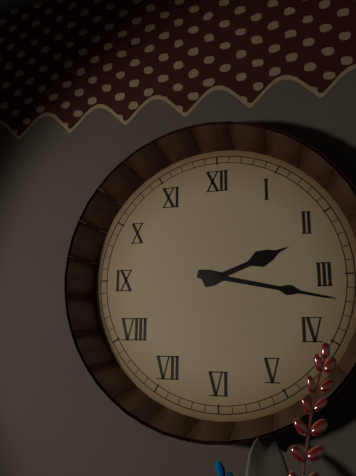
2:17
